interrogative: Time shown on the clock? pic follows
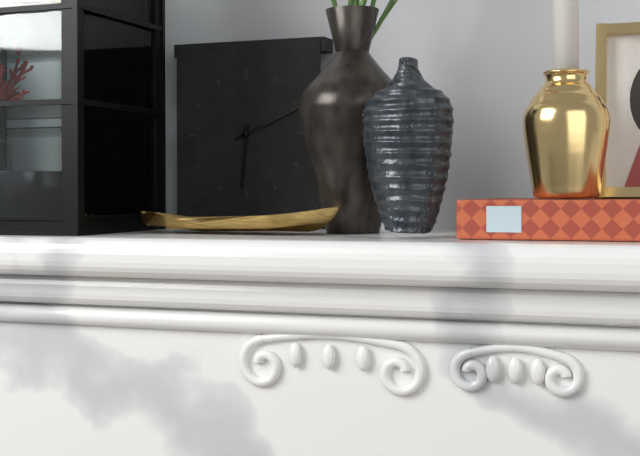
6:11
